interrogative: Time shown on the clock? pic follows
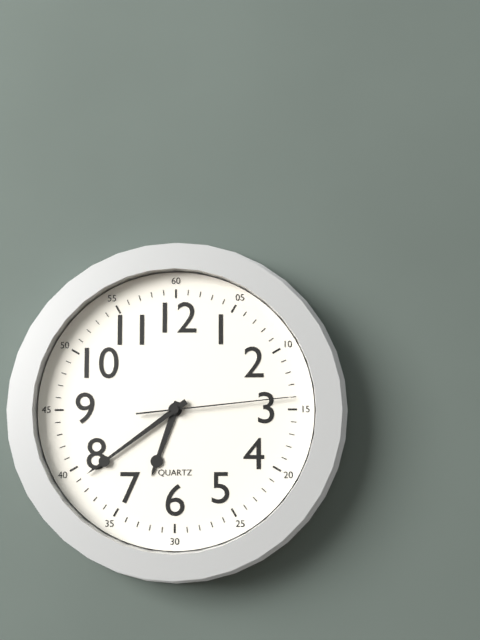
6:39:14
